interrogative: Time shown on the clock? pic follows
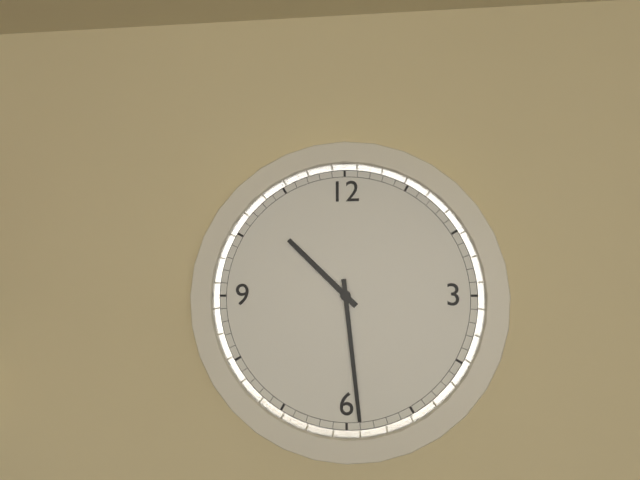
10:29
